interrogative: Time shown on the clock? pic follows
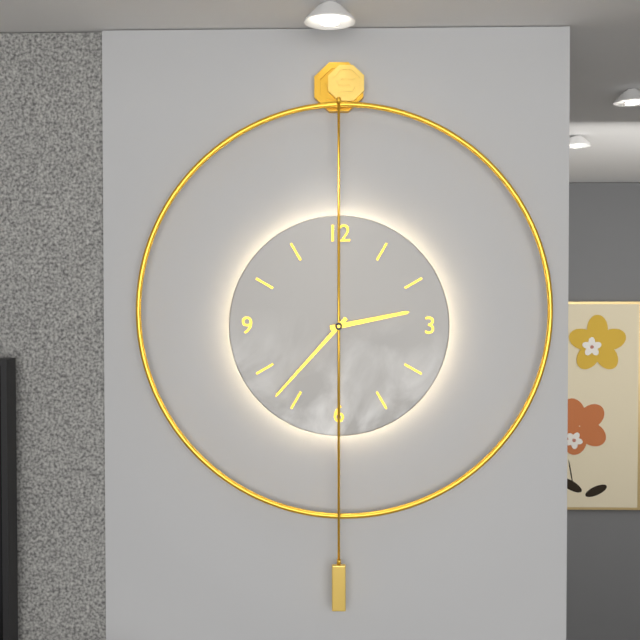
2:37
